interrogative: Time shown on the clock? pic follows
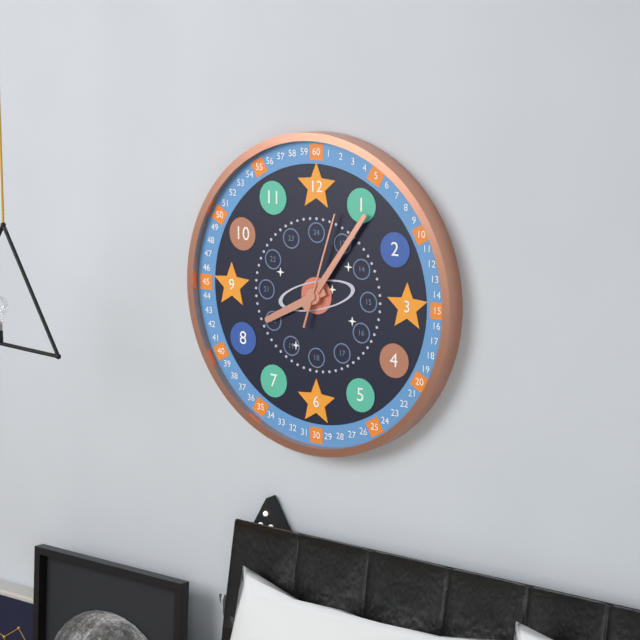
8:06:03
